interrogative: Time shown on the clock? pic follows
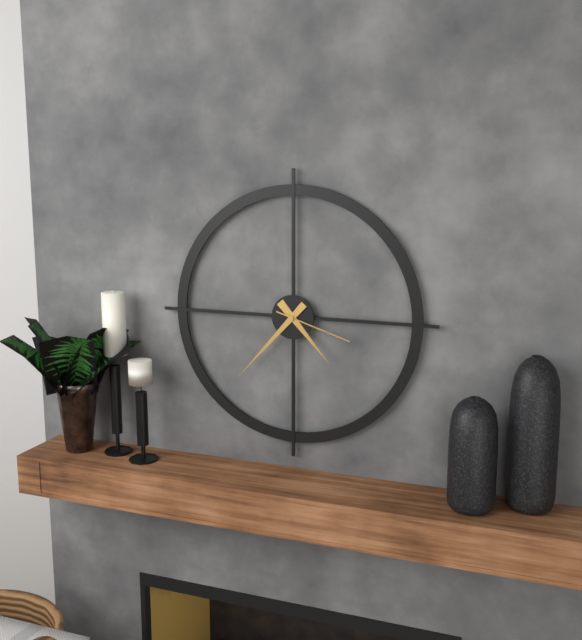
4:37:18
